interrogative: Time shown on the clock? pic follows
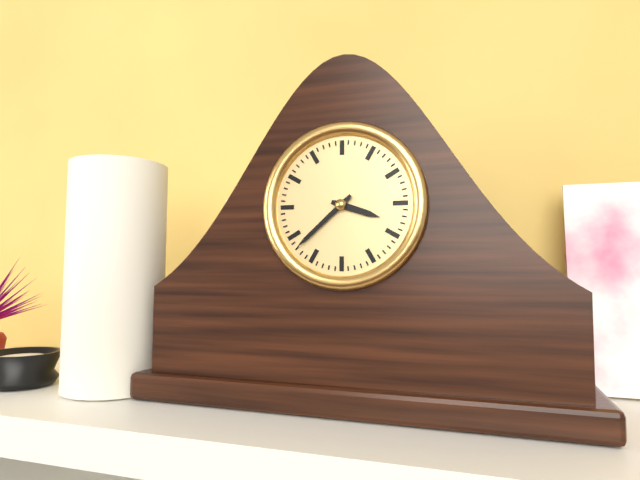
3:38
